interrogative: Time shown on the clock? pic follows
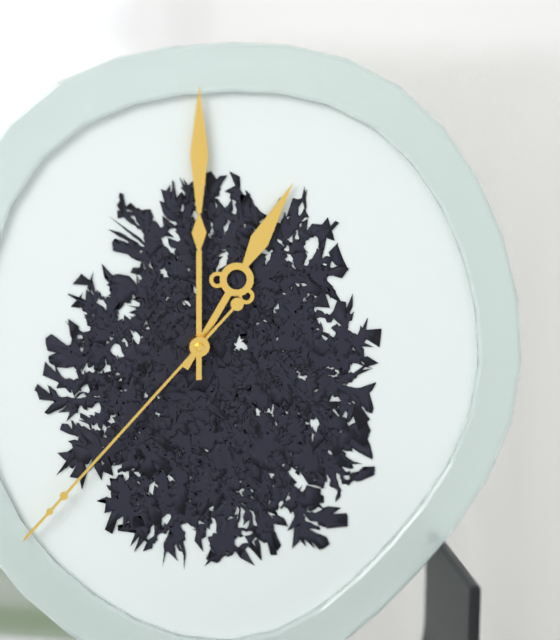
1:00:37
